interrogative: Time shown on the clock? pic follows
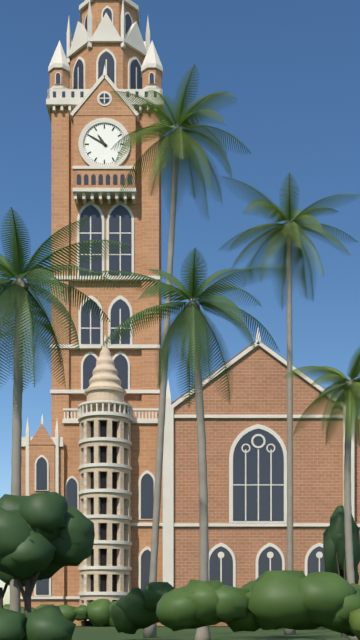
10:50
